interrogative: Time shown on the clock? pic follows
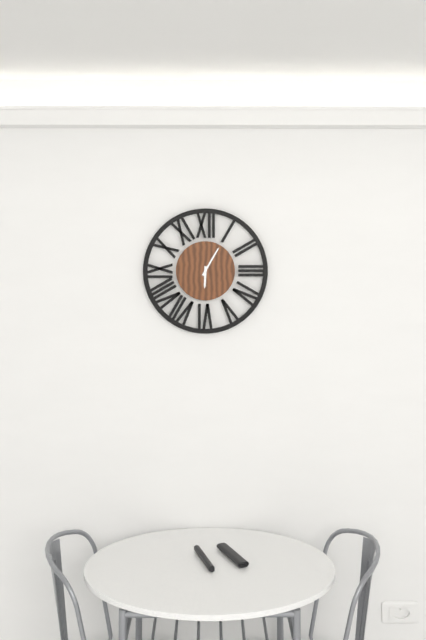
6:05
